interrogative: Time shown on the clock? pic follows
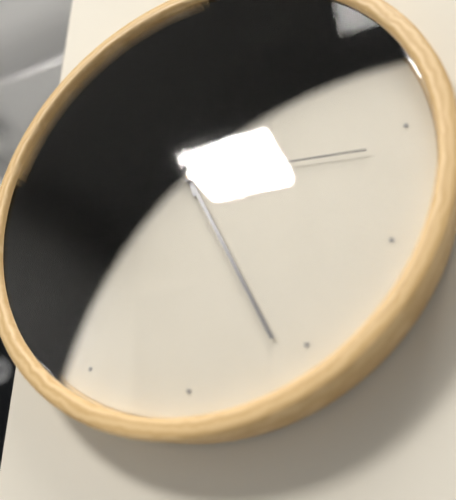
11:26:16
